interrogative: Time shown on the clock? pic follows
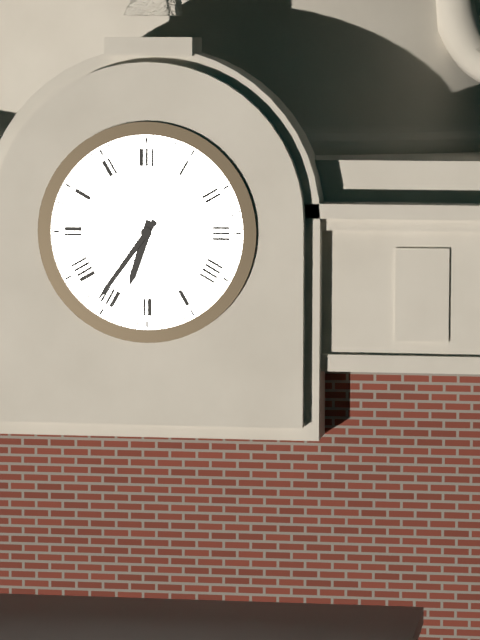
6:36
